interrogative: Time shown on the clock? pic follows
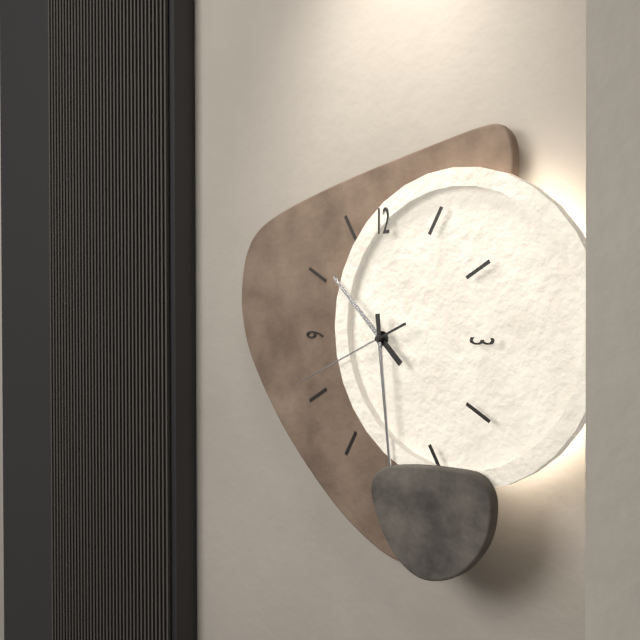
10:29:41
